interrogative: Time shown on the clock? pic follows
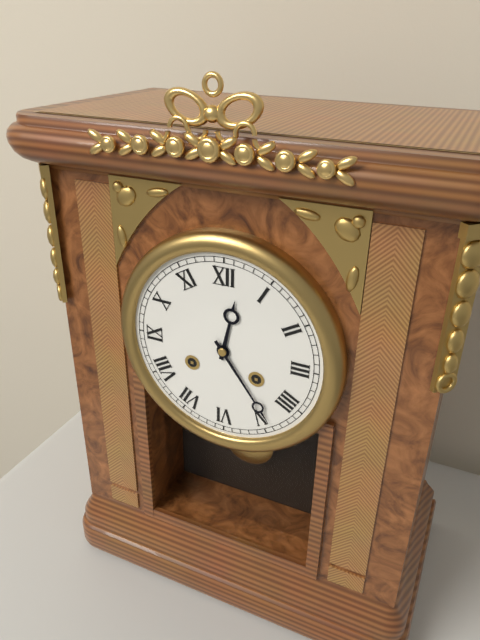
12:24
